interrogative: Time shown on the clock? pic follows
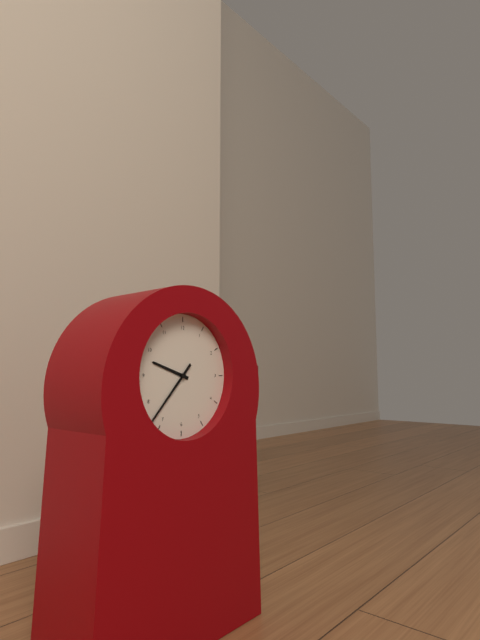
9:37
